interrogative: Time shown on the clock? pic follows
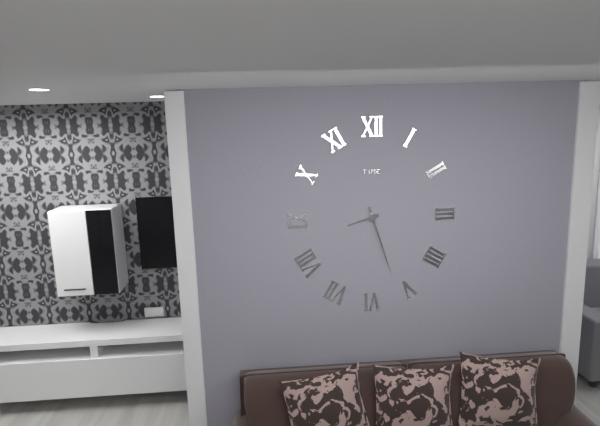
8:27
